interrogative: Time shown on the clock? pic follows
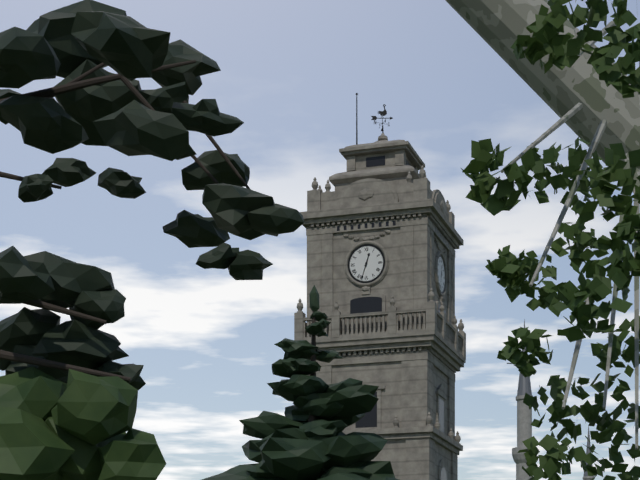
12:33
